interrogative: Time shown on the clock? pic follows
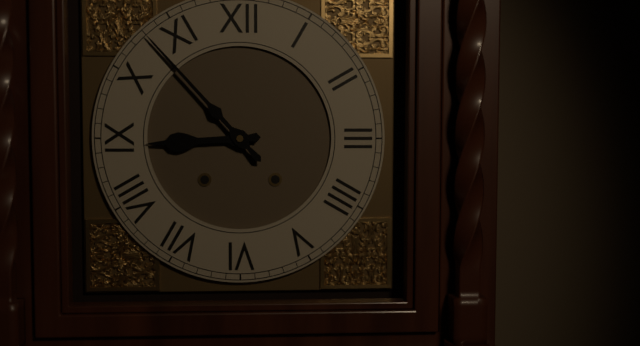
8:53
